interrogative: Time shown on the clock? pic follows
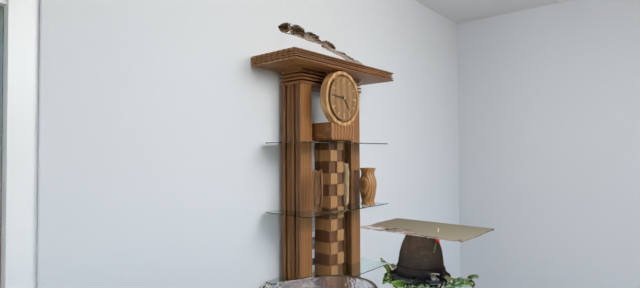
4:46
